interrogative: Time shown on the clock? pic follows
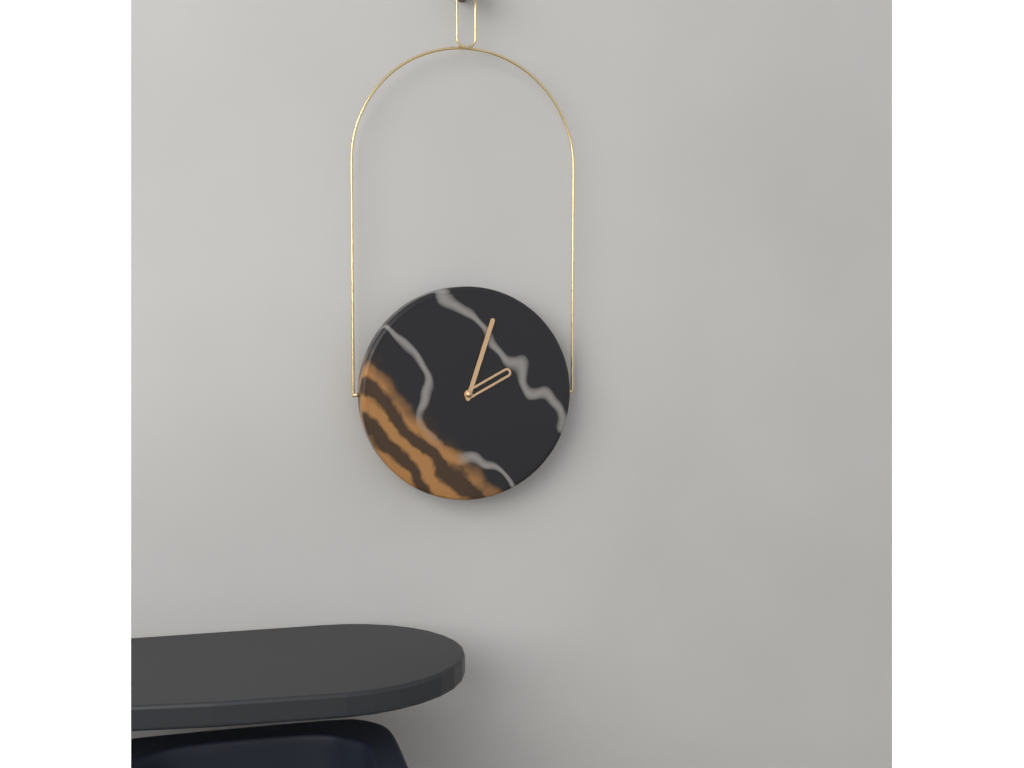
2:03
